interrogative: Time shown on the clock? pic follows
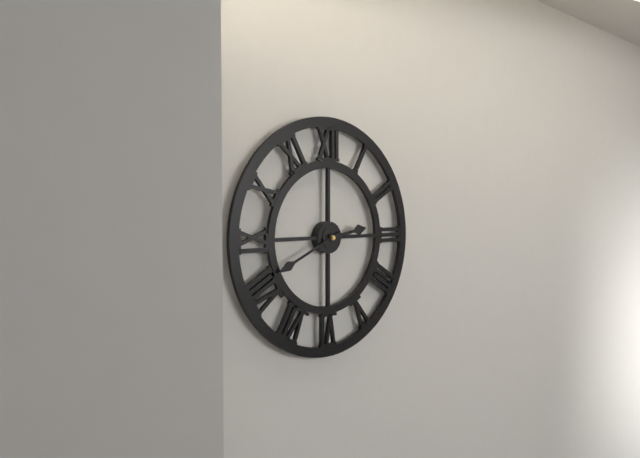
2:41
